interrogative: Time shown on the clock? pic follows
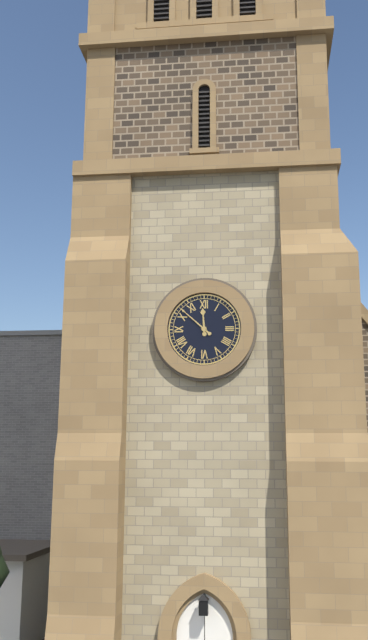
11:52
